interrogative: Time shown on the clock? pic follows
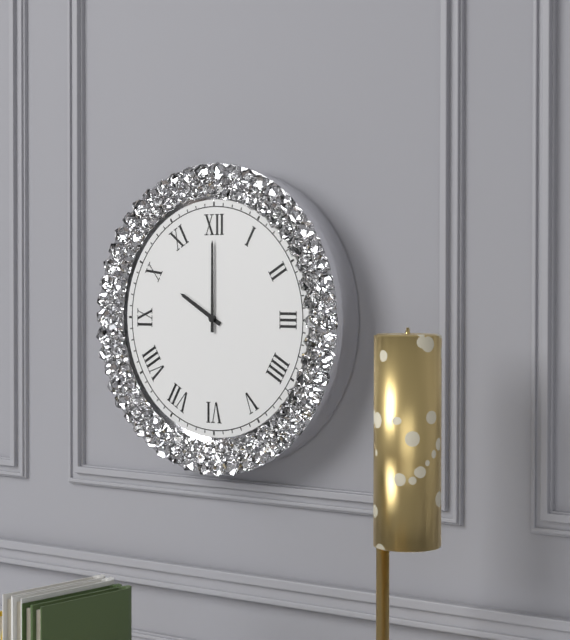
10:00
